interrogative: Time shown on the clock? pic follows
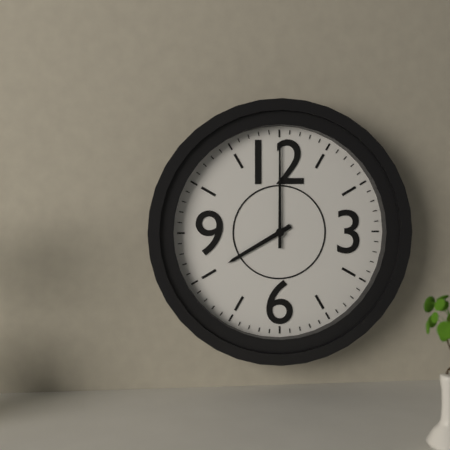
8:00
